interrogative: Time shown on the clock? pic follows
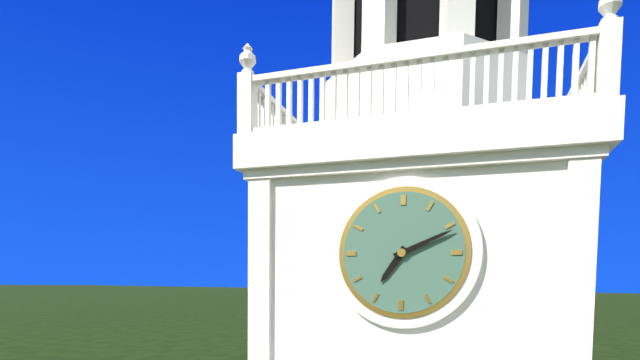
7:11
